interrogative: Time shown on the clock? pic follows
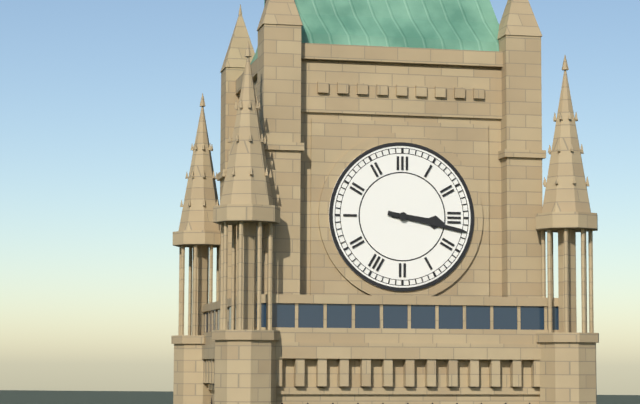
3:17
